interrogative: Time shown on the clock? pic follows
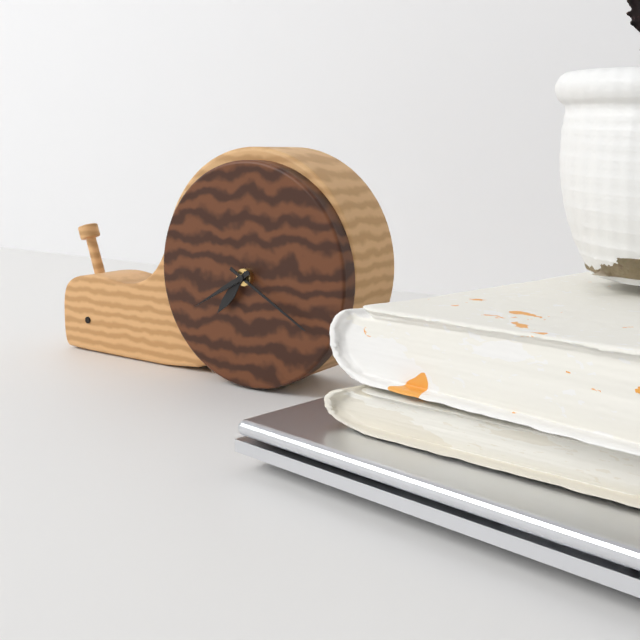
7:20:40
